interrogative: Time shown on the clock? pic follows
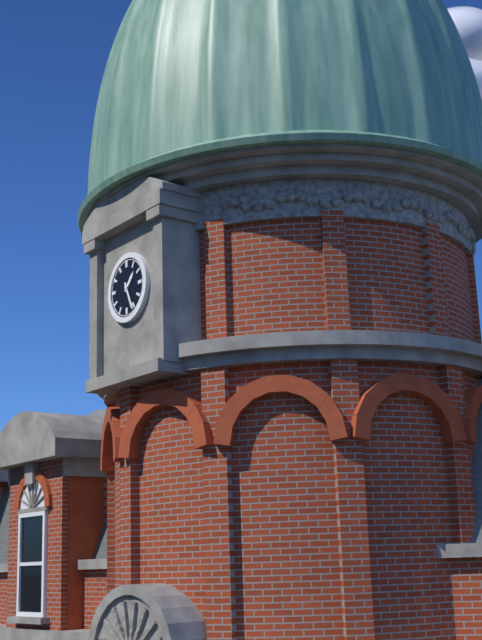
1:26
